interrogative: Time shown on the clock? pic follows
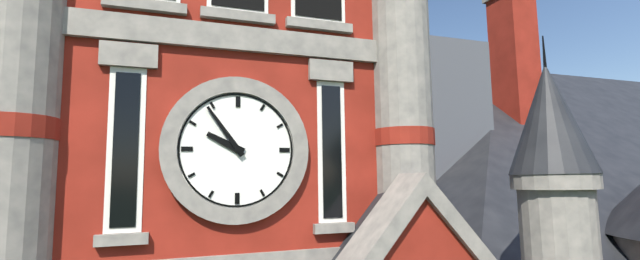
9:54
